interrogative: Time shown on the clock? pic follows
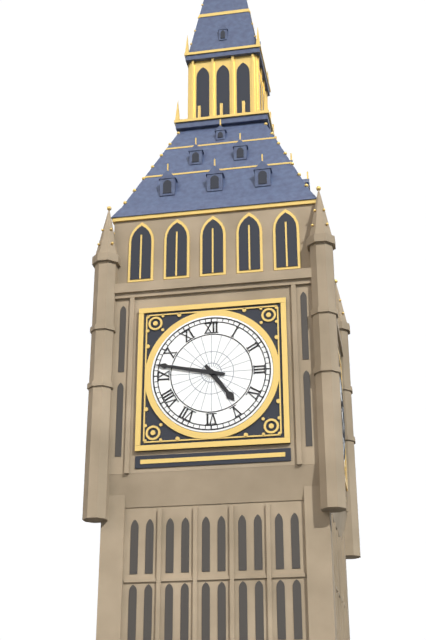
4:47
